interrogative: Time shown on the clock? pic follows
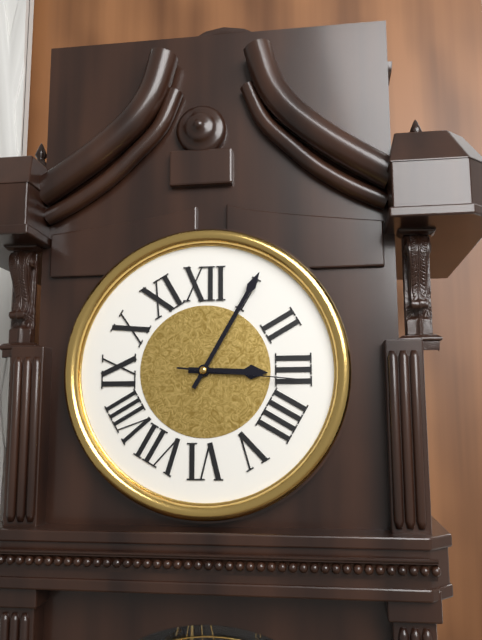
3:05:16
